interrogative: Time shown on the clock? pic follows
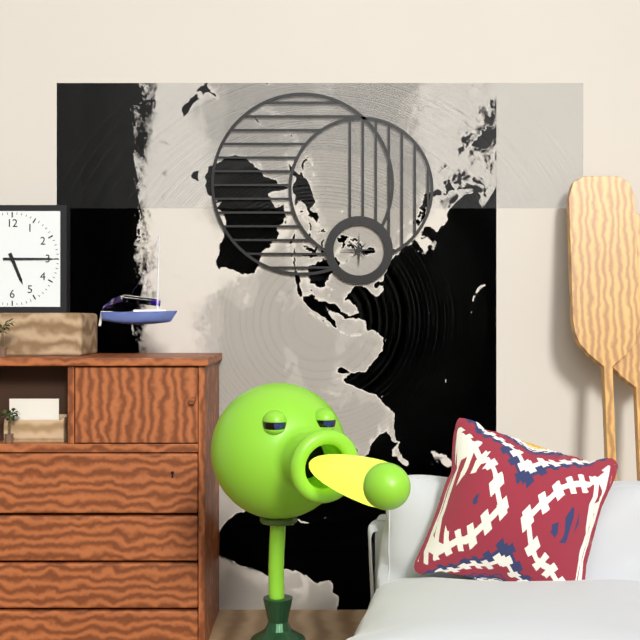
5:15
